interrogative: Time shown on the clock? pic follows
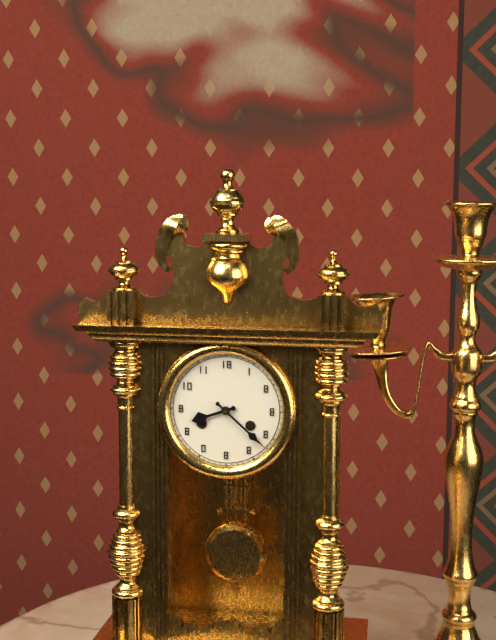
8:22
